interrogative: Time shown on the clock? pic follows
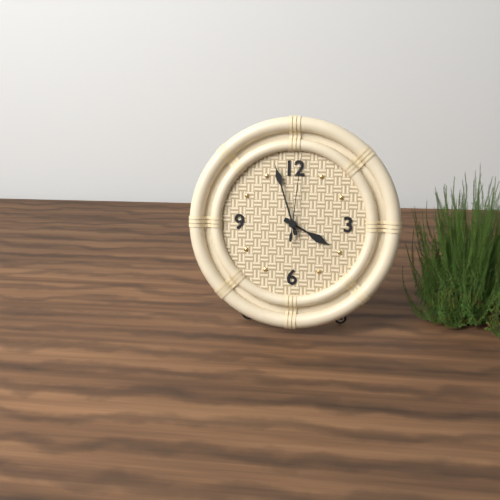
3:57:01
